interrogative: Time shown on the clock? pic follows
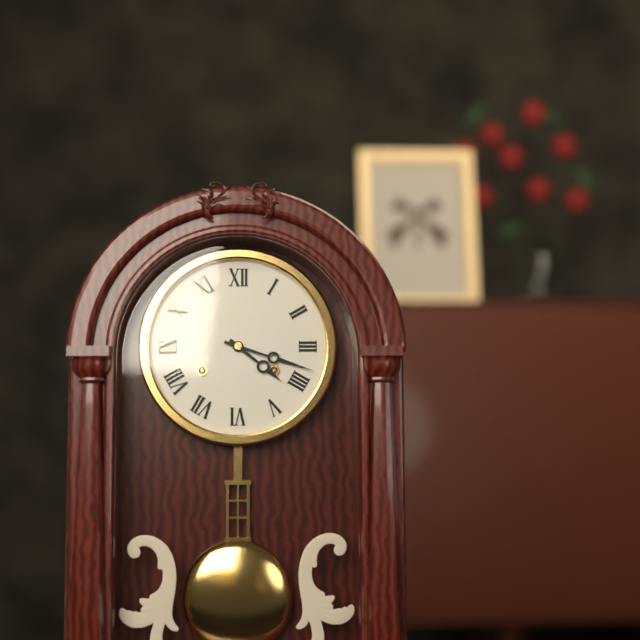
4:18
